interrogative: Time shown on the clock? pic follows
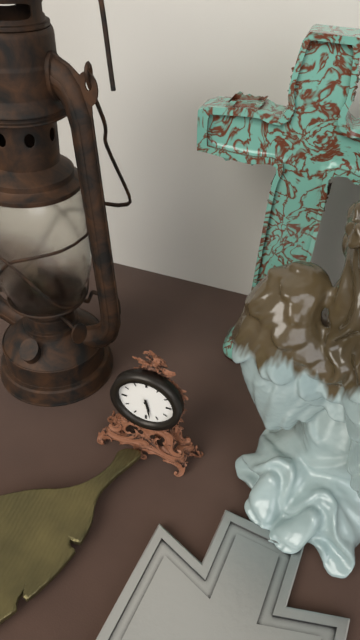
5:28
